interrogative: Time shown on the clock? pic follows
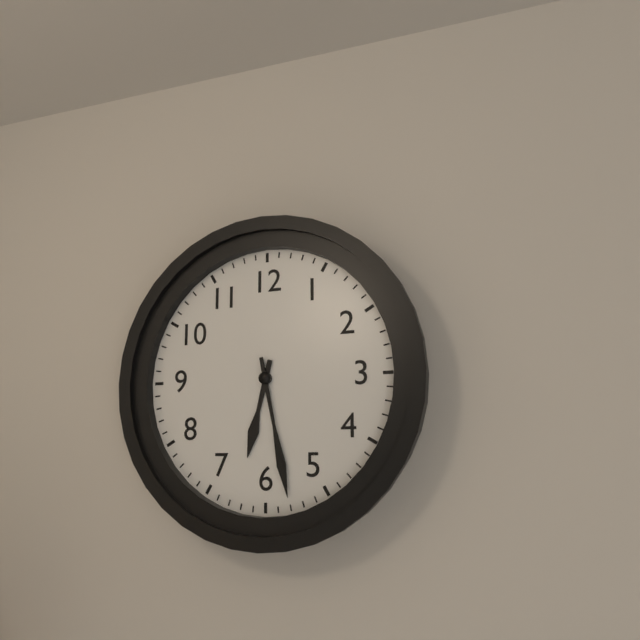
6:28
